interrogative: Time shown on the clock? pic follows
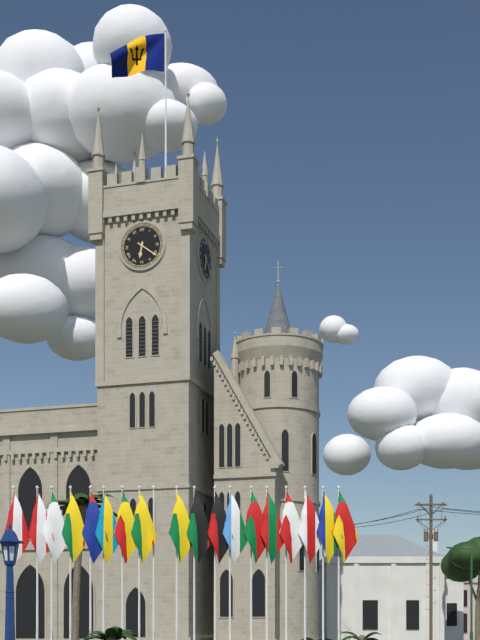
6:21
